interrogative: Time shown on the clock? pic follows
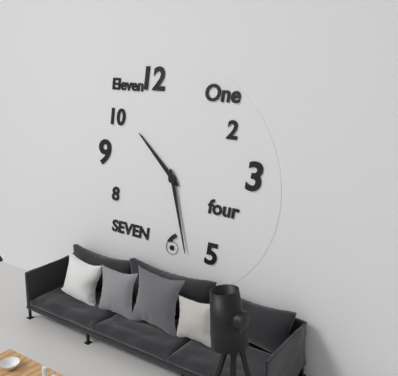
10:28
